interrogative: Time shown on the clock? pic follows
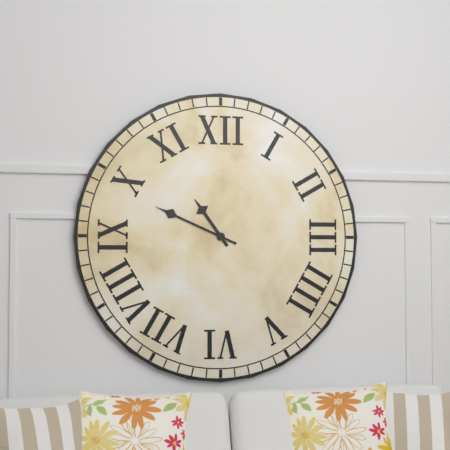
10:49
